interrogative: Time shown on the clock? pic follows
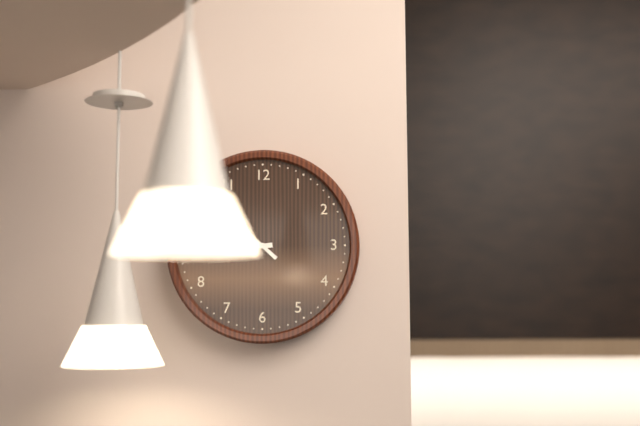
8:52
